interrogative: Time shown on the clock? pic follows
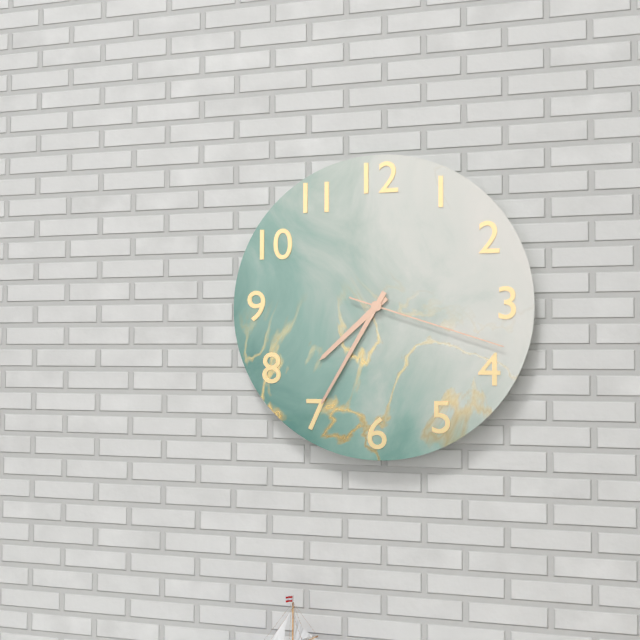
7:35:18
